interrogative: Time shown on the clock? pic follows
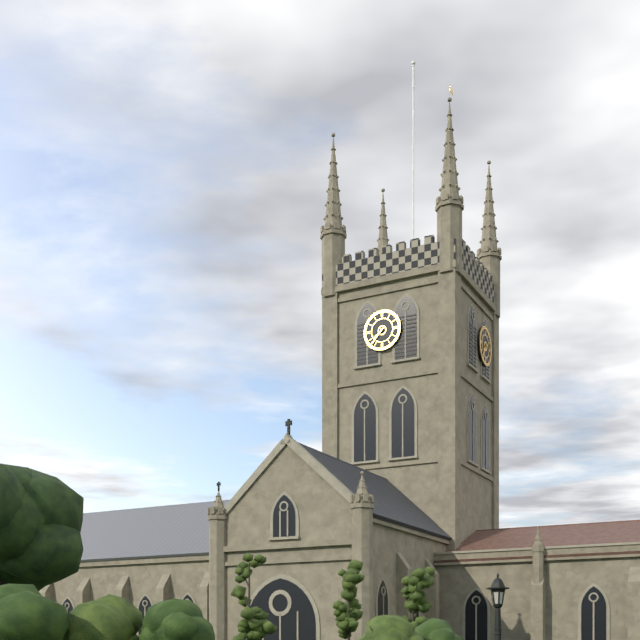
7:37
